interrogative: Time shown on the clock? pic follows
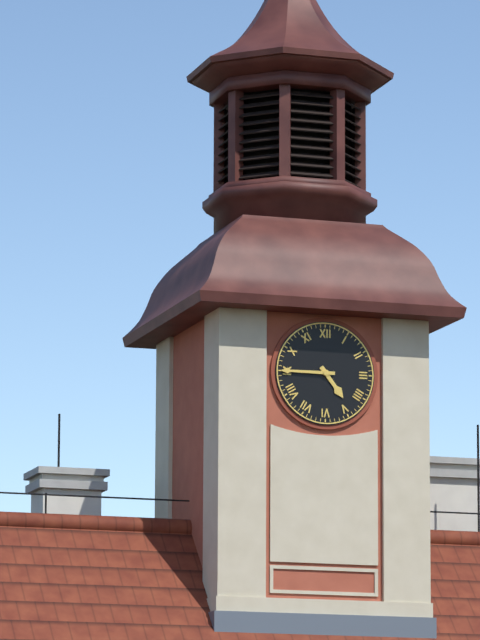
4:45
